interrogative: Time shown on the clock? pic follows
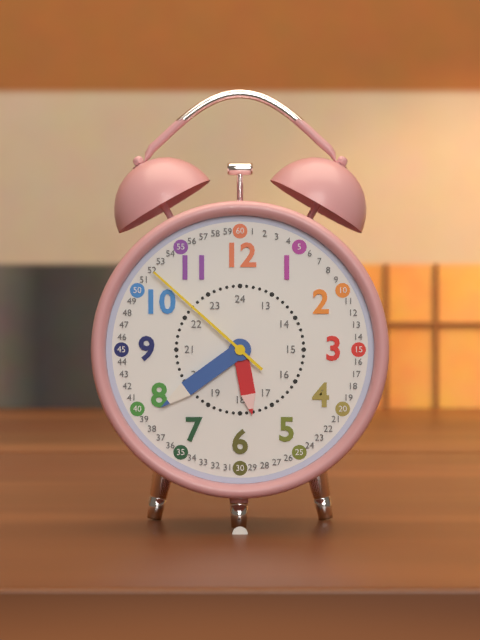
5:39:52
